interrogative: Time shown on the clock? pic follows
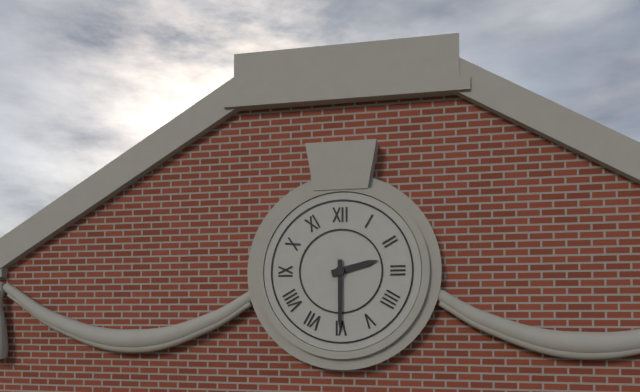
2:30
